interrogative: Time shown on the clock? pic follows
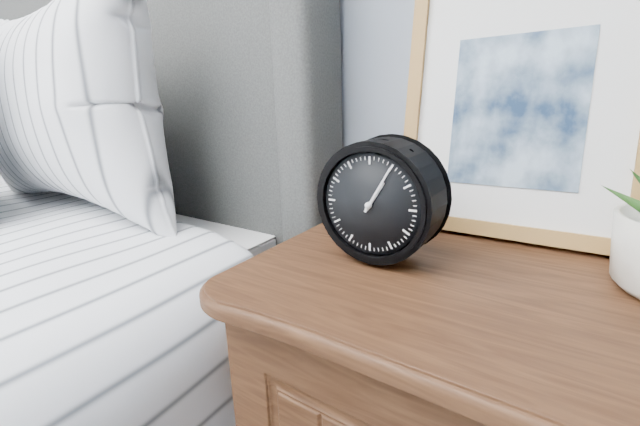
1:05
